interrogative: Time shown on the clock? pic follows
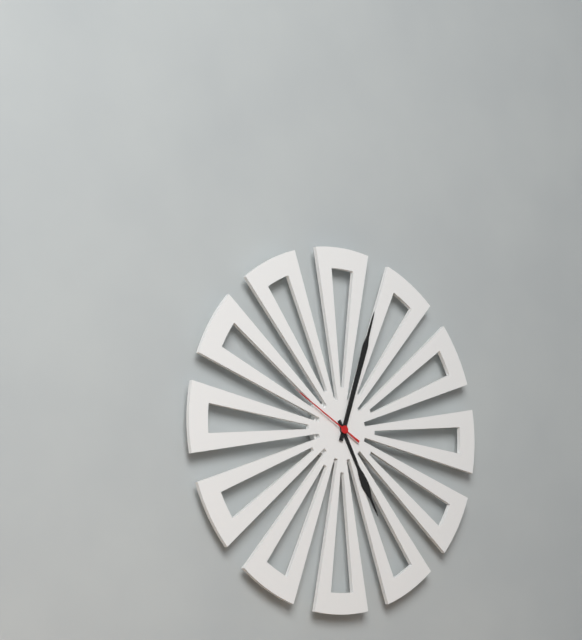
5:03:50
